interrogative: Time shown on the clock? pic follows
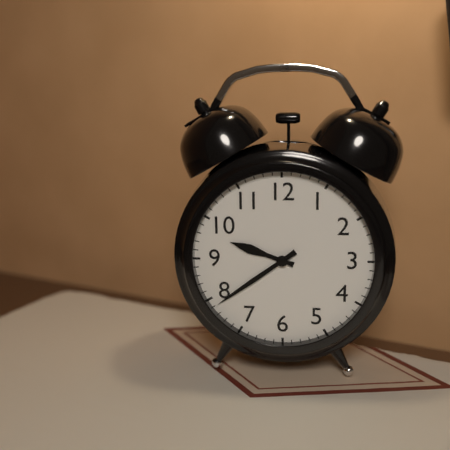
9:39
